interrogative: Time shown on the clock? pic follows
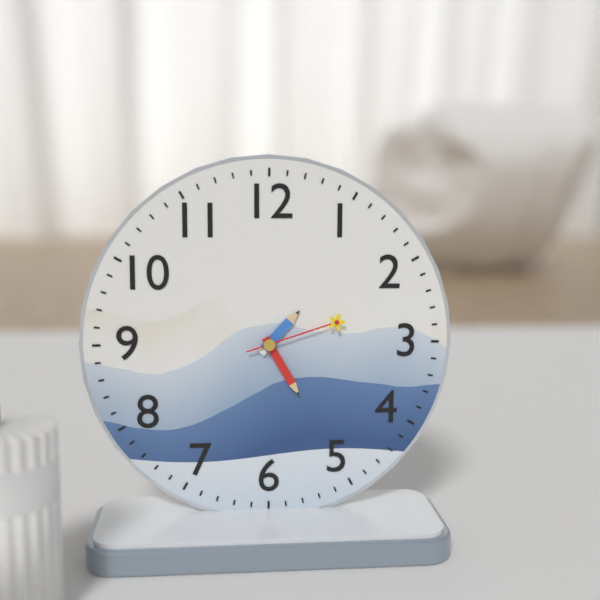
1:25:12
